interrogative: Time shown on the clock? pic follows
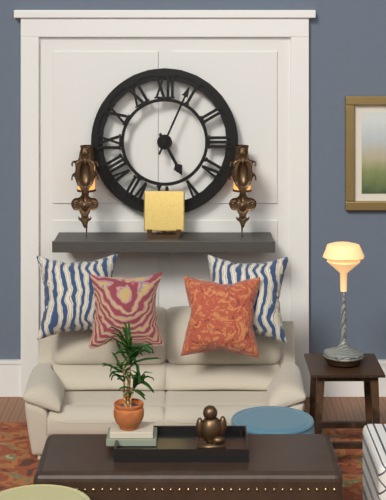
5:04
